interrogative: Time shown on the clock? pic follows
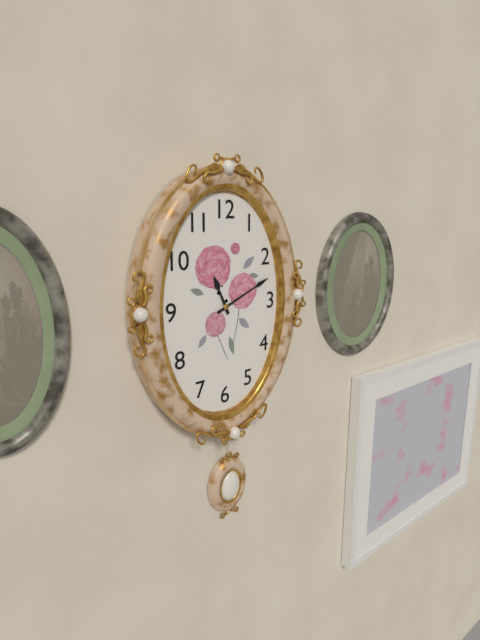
11:11
